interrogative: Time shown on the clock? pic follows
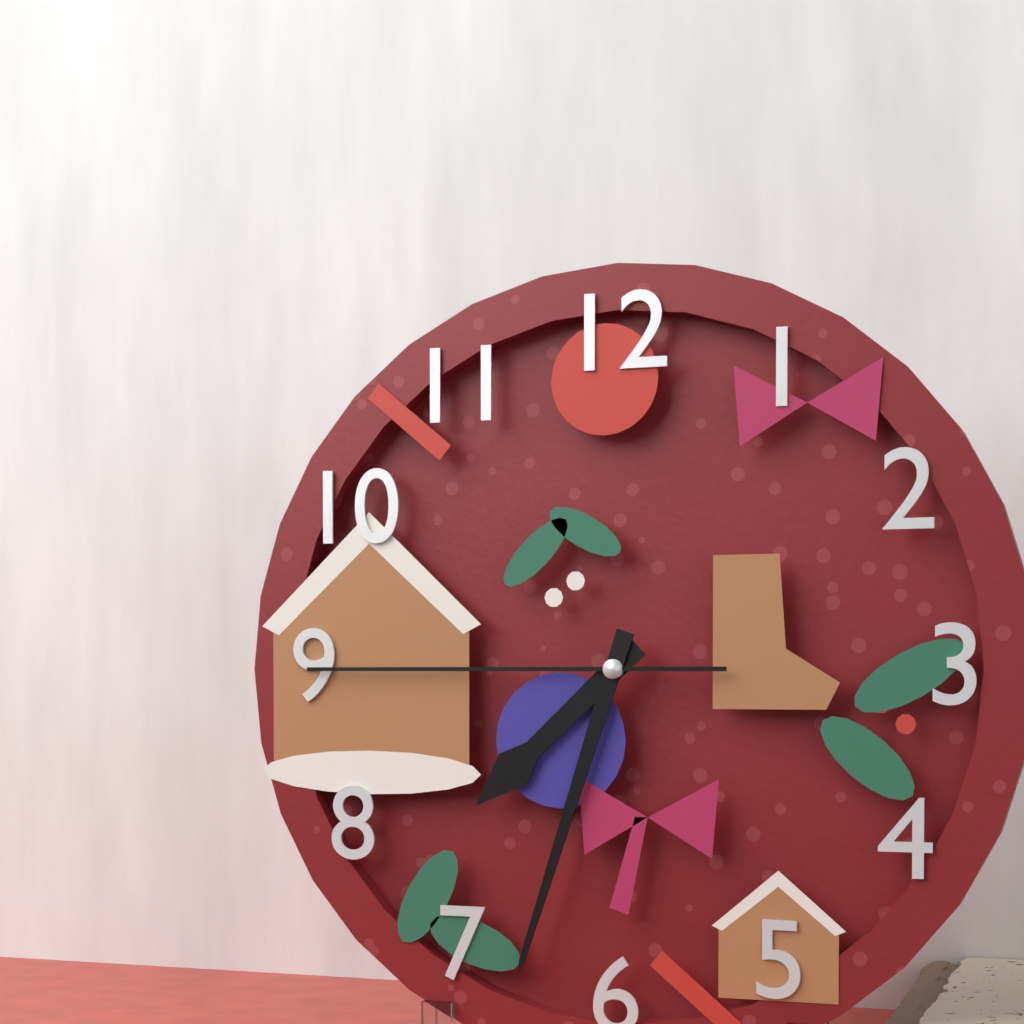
7:33:45
